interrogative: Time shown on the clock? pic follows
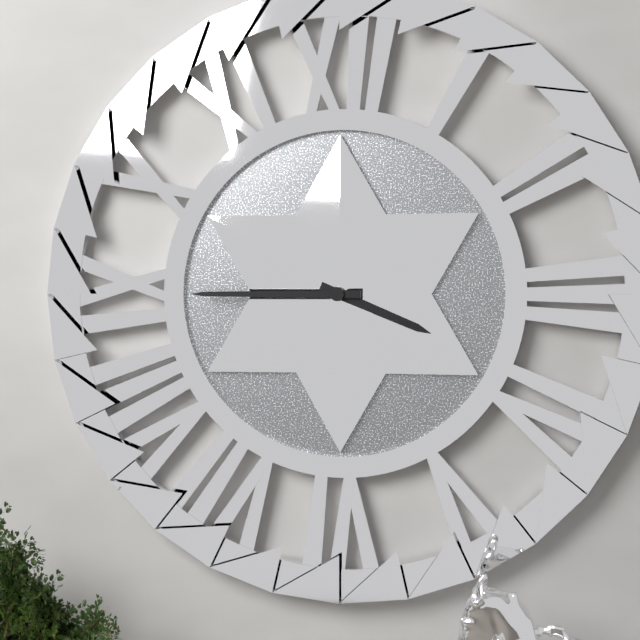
3:45
